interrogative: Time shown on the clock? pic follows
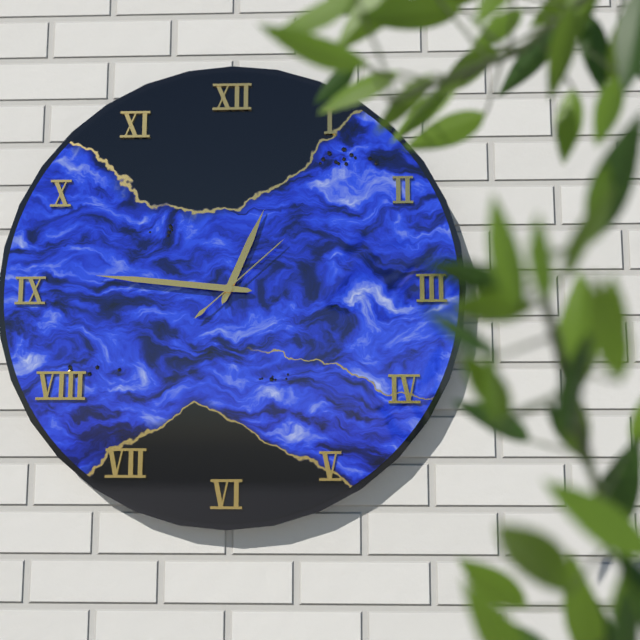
12:46:08
